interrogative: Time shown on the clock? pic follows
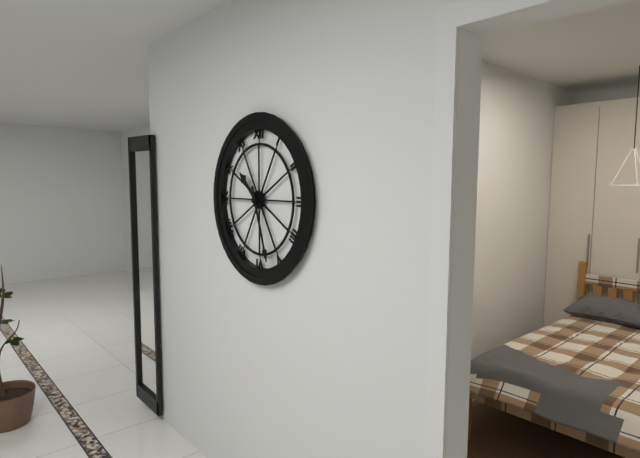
10:27
